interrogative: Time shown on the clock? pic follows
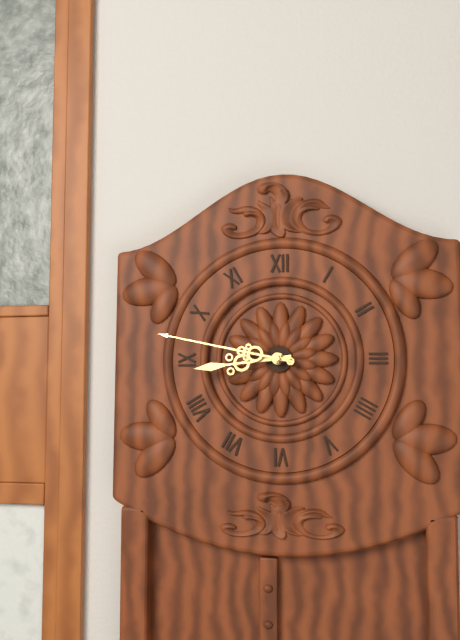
8:47
